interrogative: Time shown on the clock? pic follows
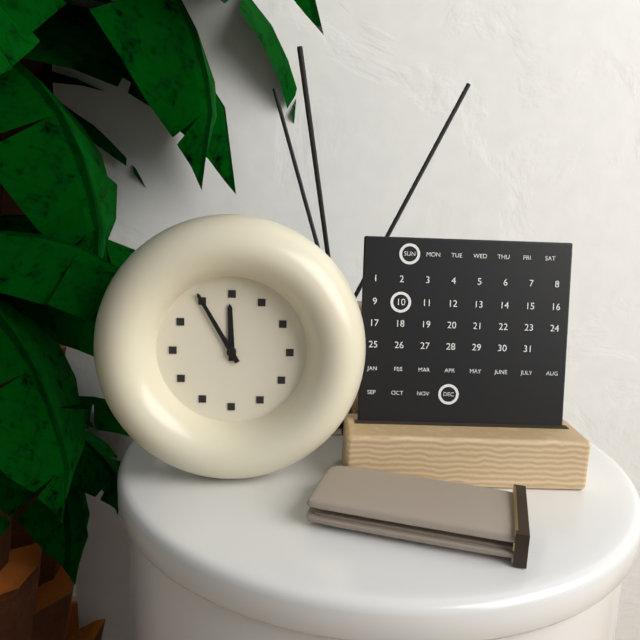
11:55
